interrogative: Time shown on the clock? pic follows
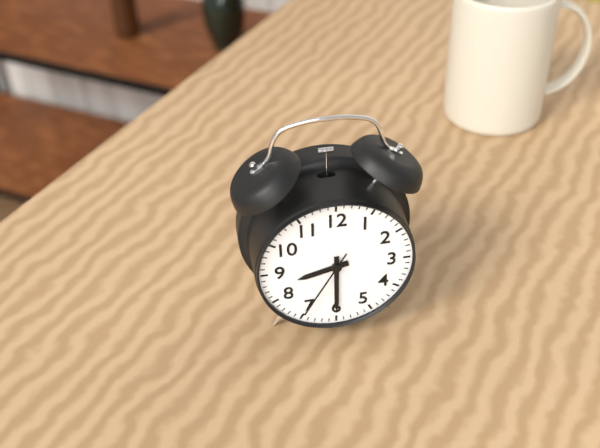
8:30:35
